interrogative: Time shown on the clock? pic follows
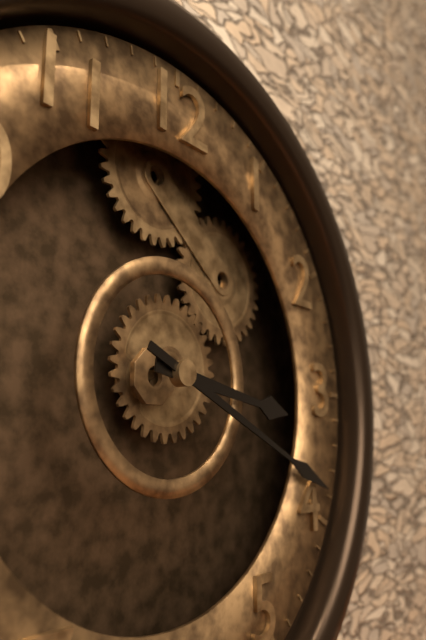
3:19
